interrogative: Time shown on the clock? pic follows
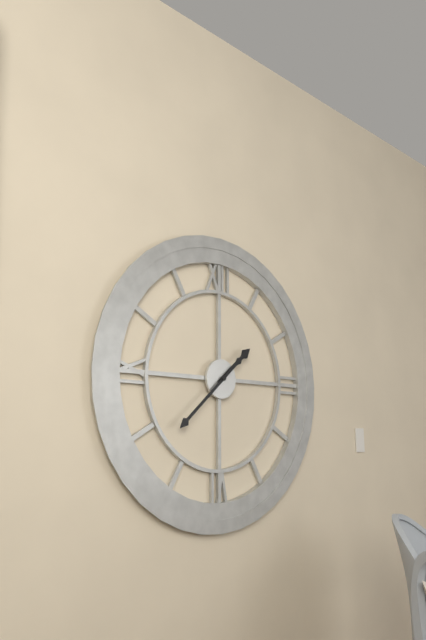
1:38
